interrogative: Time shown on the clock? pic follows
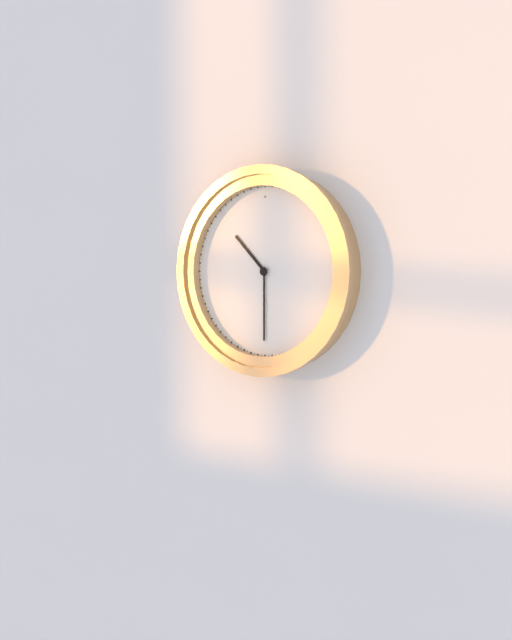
10:30
